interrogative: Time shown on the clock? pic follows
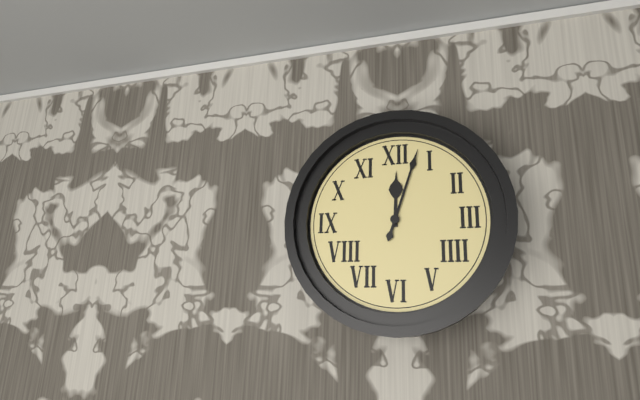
12:03
